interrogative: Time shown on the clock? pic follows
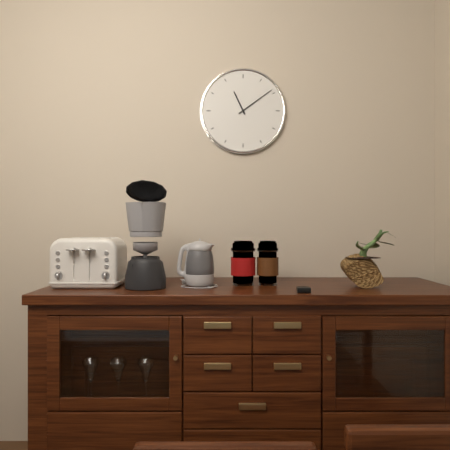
11:09
